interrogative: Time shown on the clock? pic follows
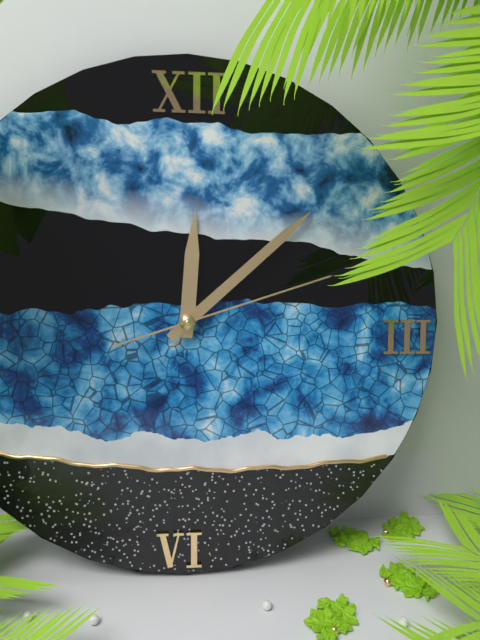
12:08:12
